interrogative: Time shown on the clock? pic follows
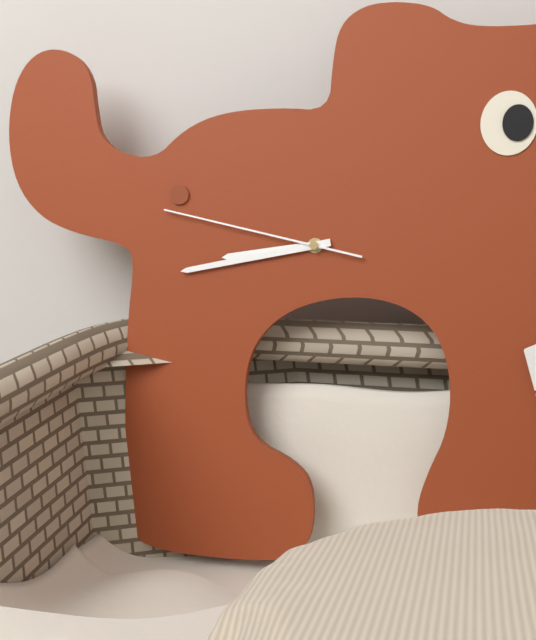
8:43:47
